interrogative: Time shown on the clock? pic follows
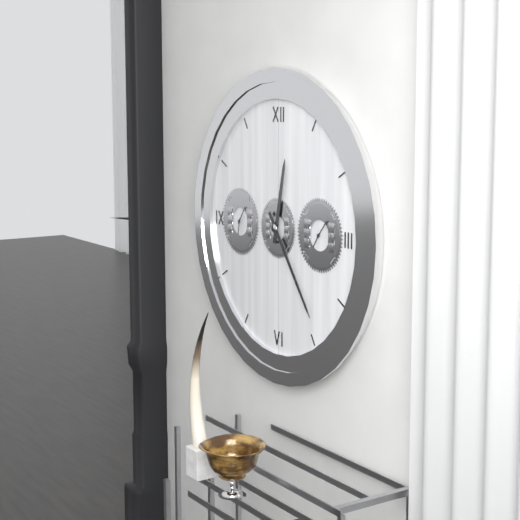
12:24
